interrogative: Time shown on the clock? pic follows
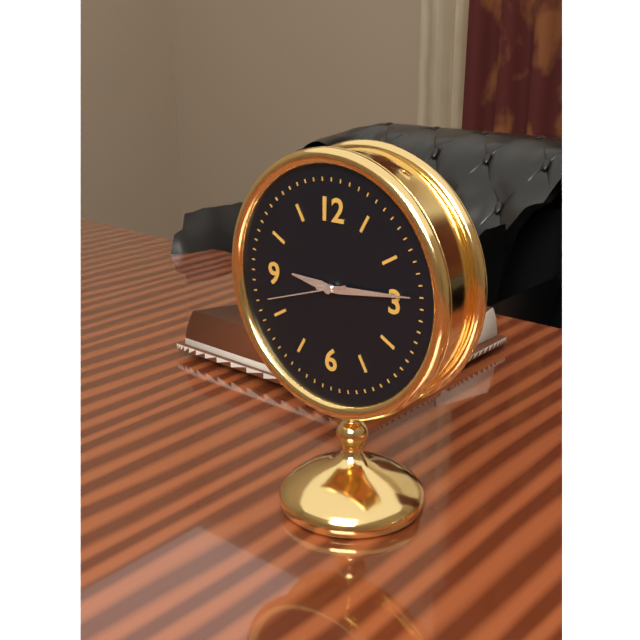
9:14:42
